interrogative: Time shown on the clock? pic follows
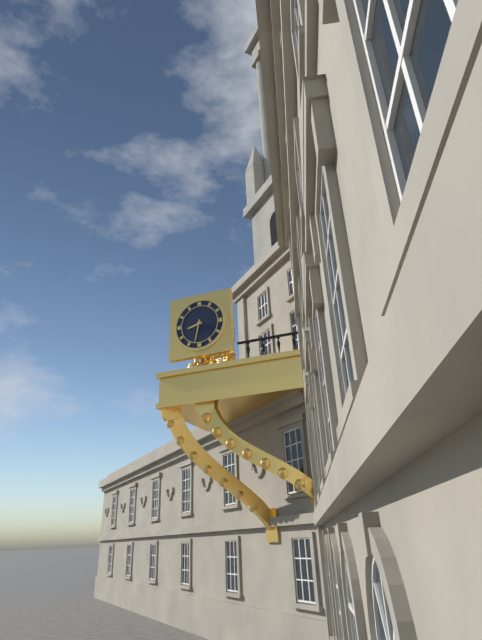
8:32
